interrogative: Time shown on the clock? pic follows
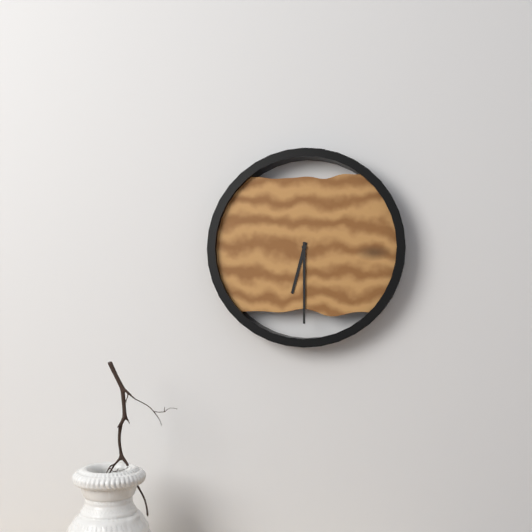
6:30
